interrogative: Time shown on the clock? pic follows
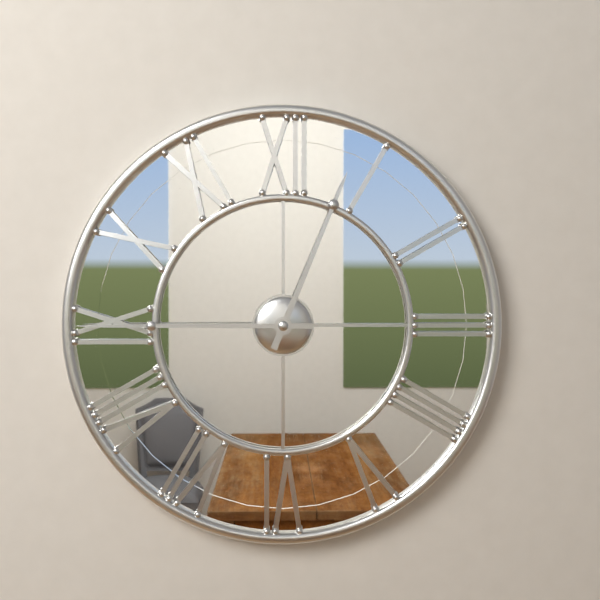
12:45
